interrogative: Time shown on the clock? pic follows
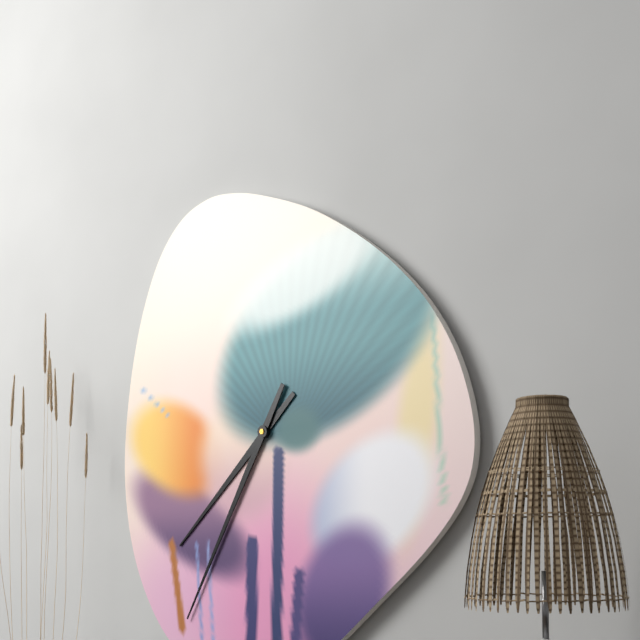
7:35
